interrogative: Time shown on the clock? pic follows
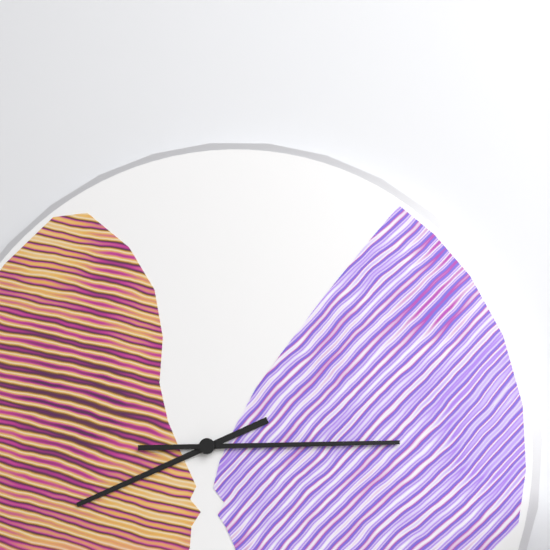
8:15
